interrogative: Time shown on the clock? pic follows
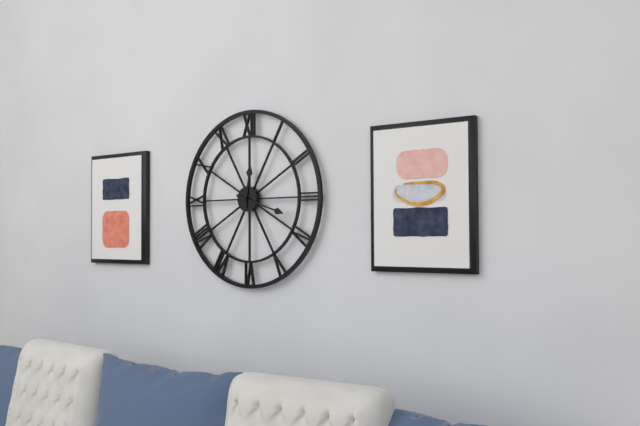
12:18
